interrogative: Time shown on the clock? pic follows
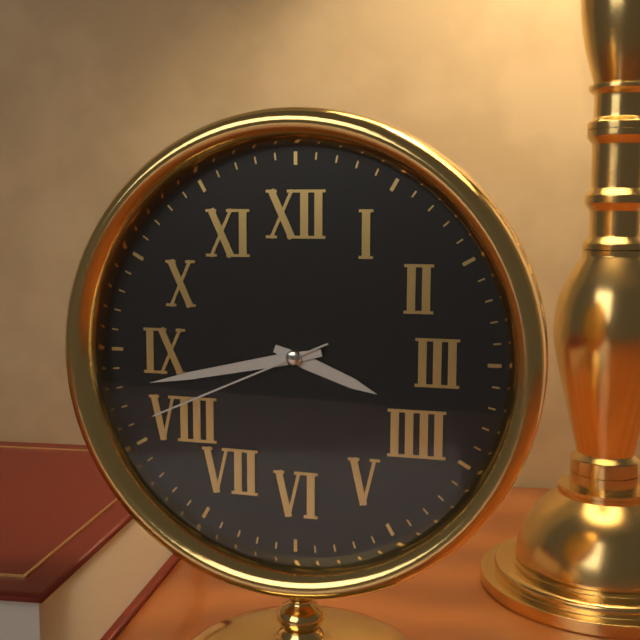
3:43:41
